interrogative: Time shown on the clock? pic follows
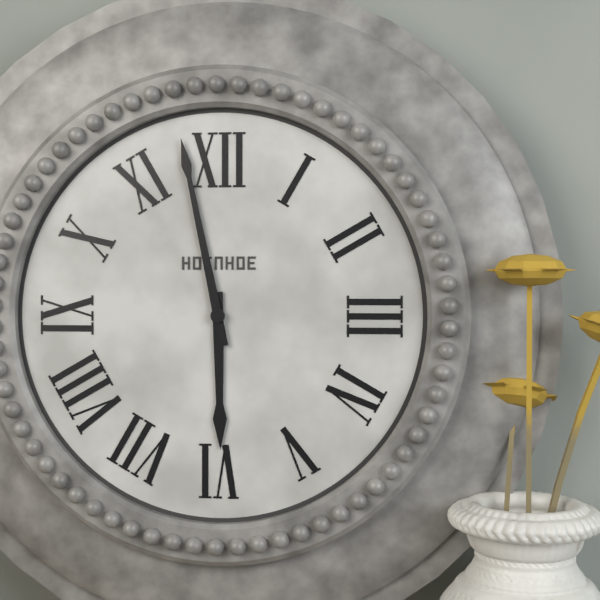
5:58
